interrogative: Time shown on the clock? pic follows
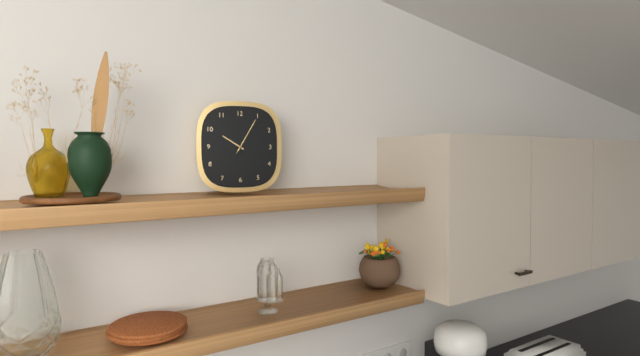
10:05
